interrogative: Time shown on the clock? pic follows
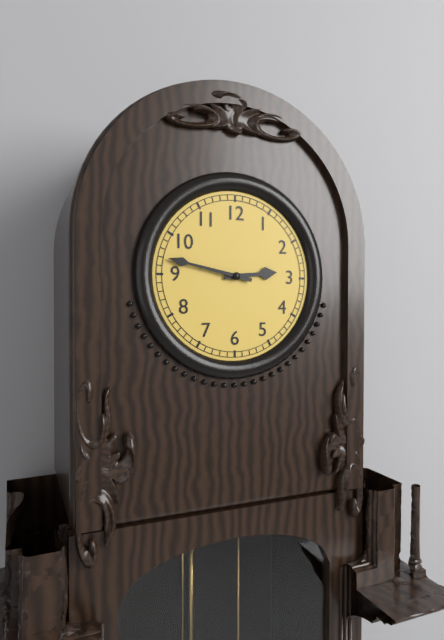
2:47
